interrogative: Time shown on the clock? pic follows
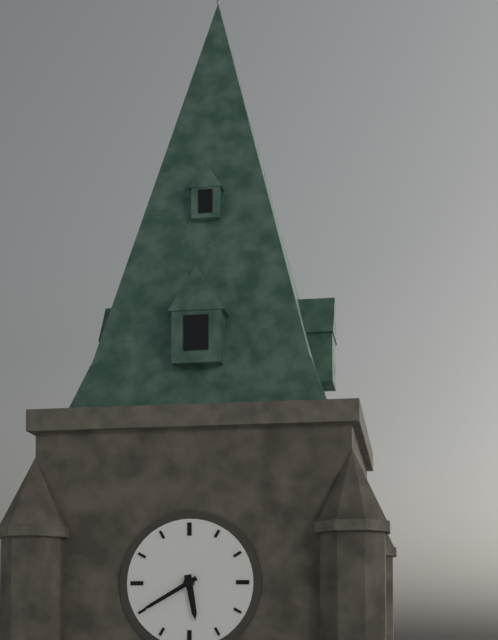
5:40
